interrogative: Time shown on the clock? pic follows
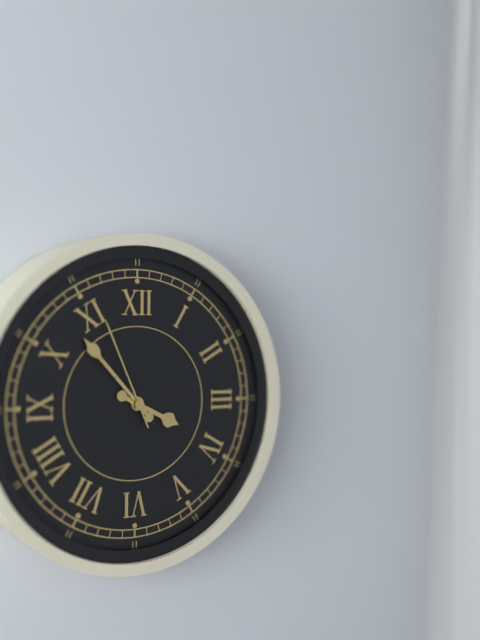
3:53:56
